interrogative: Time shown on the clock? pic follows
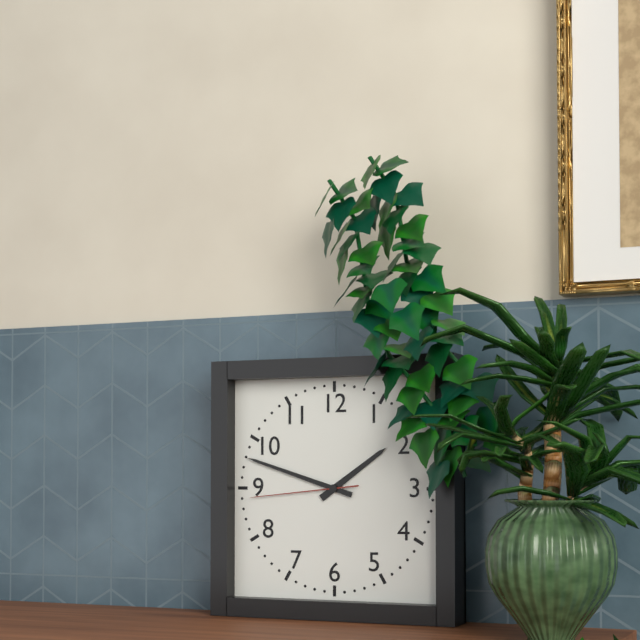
1:48:44
